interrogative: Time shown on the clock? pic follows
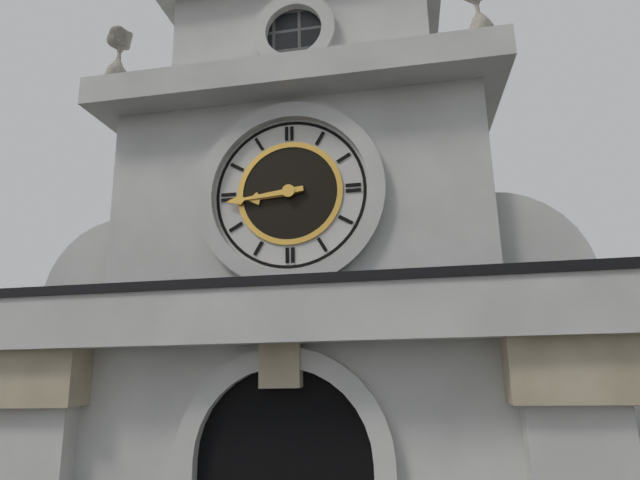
8:44
